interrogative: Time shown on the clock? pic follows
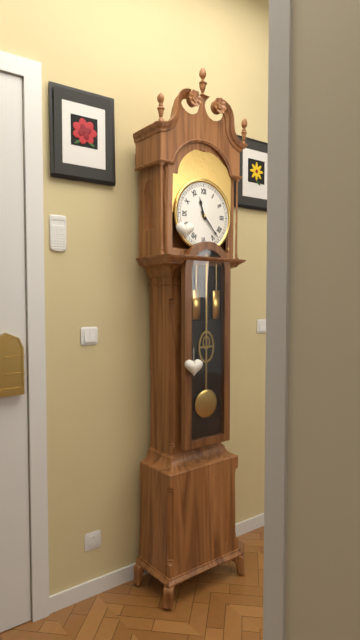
11:23
